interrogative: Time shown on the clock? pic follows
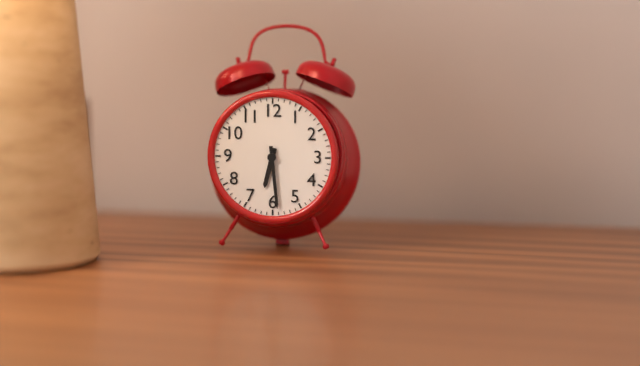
6:29
